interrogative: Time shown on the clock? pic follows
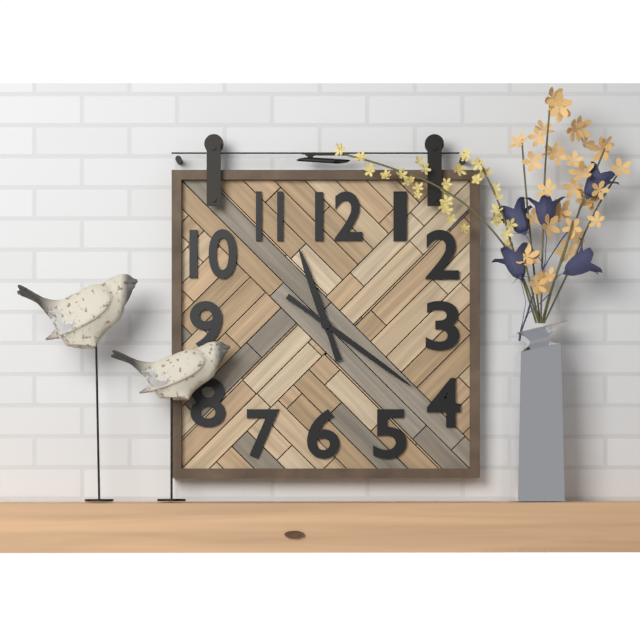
11:21
